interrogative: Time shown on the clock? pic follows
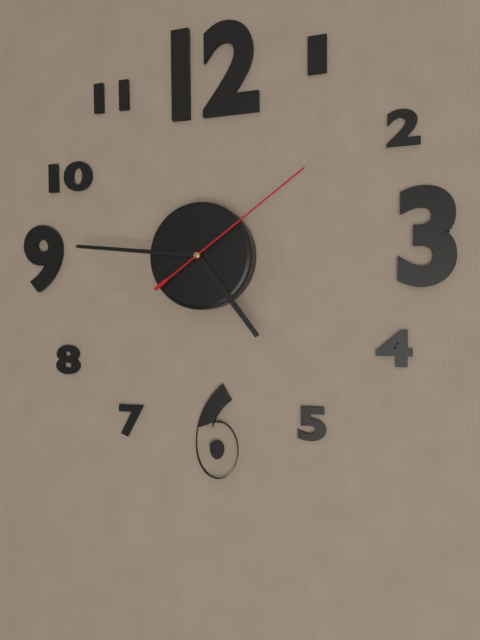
4:46:09
